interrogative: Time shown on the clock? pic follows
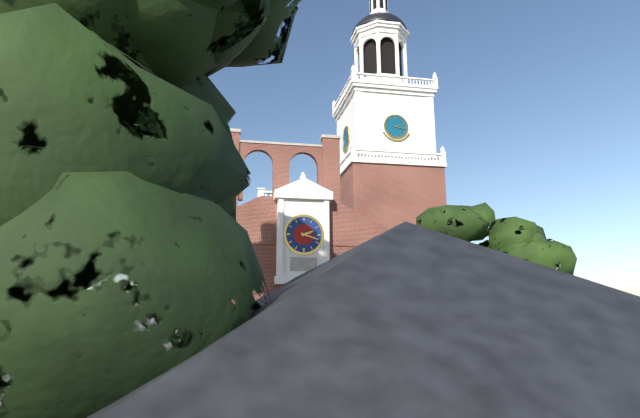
2:18
